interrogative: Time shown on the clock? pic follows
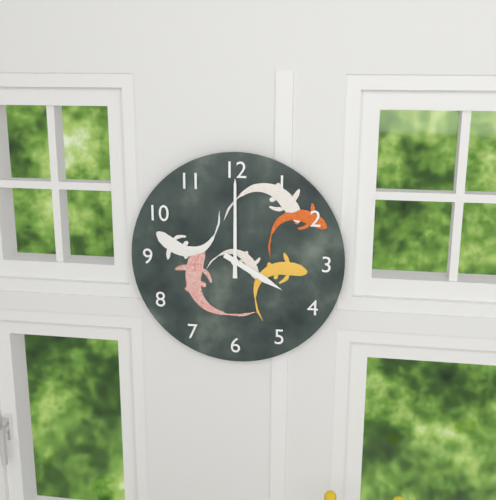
4:00
